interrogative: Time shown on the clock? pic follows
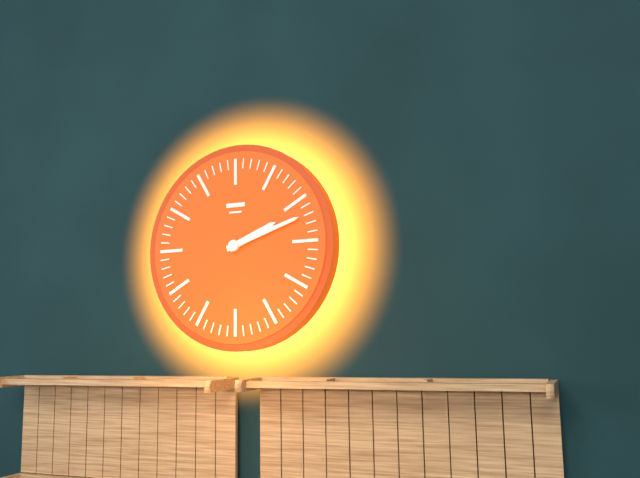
2:12
